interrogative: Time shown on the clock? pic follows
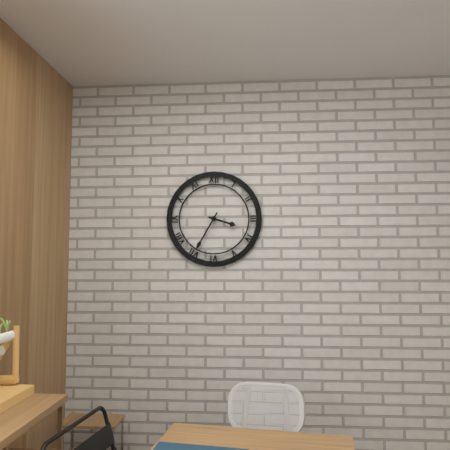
3:35
